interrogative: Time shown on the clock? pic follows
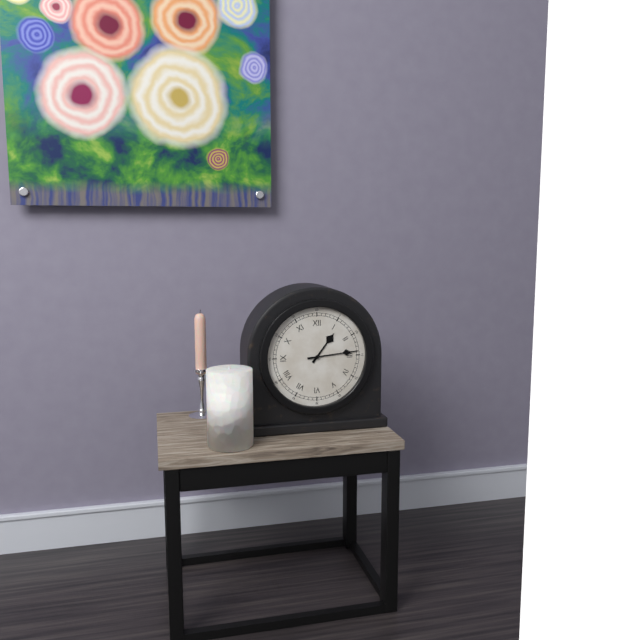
1:14
